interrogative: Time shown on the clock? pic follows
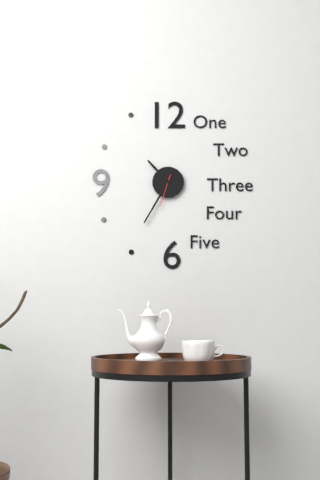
10:35
